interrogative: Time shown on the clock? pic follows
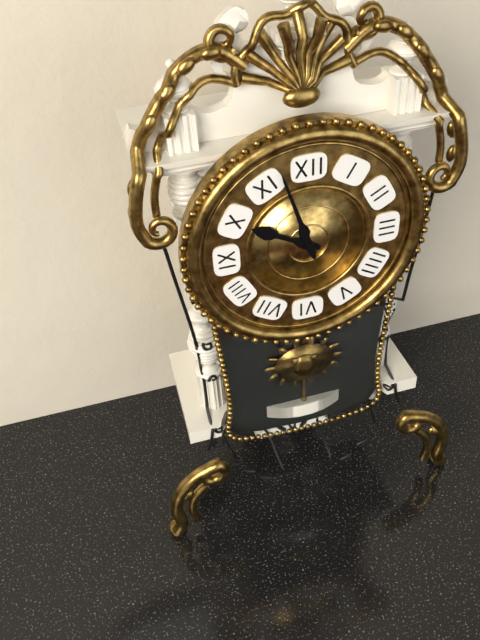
9:57
